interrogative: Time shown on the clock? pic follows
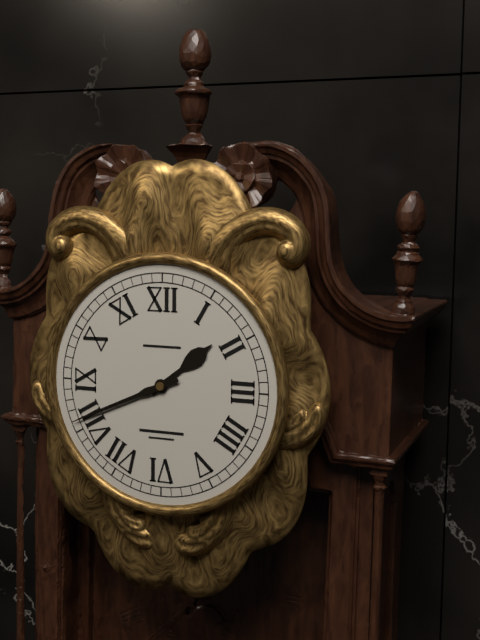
1:41
